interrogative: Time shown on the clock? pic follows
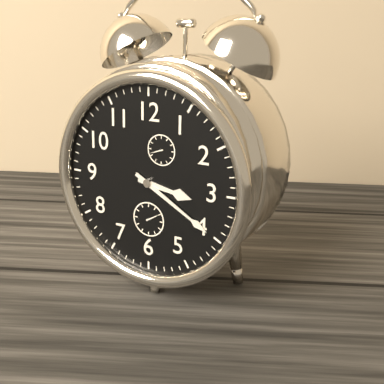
3:20
